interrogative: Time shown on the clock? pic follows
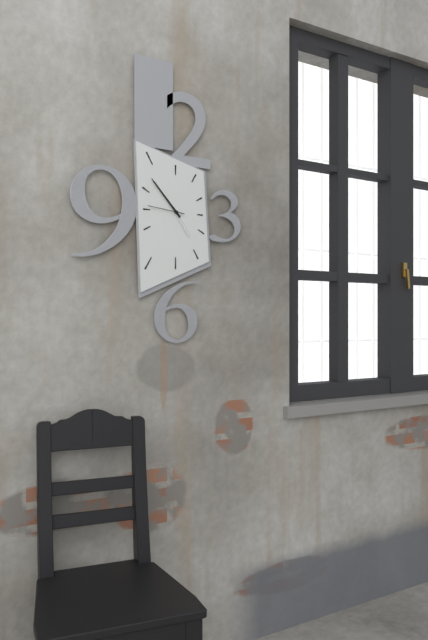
4:53
